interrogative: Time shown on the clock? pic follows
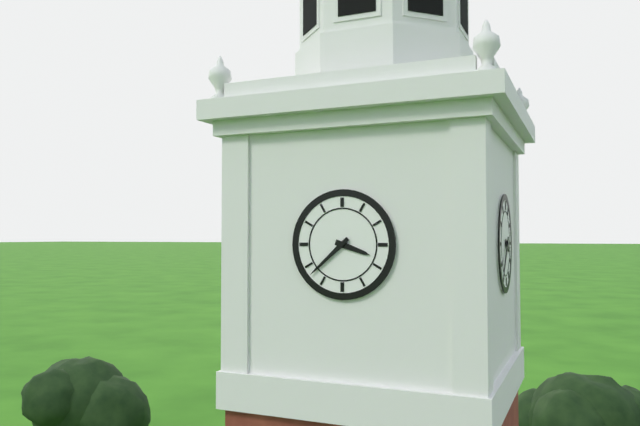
3:38
